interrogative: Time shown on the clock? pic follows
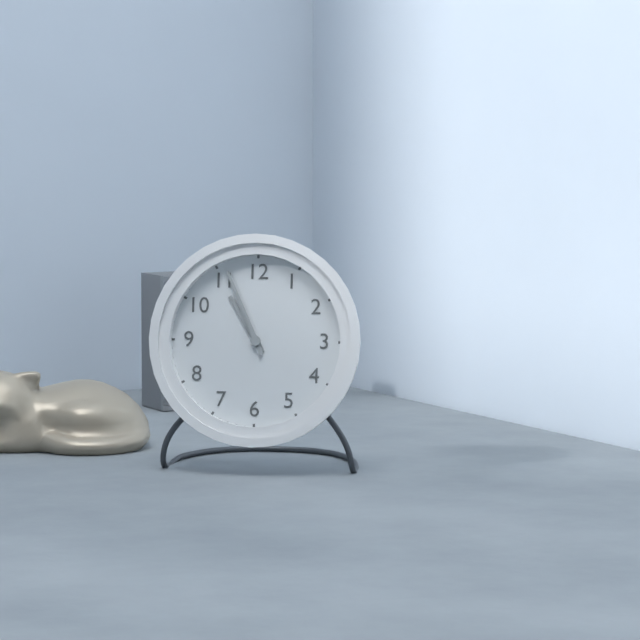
10:56
